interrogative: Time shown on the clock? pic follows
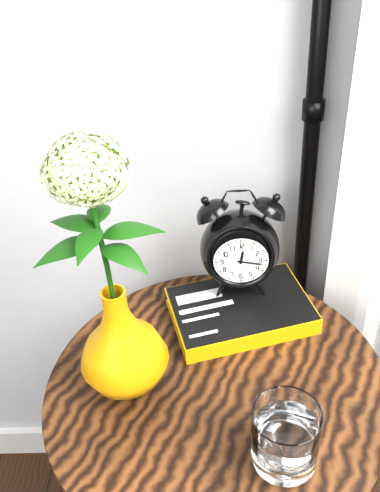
12:17
